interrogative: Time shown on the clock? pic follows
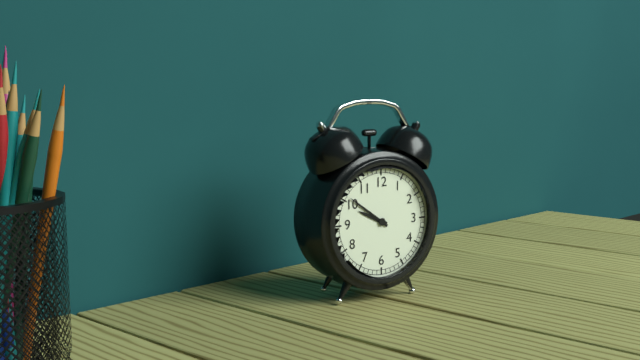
9:51
